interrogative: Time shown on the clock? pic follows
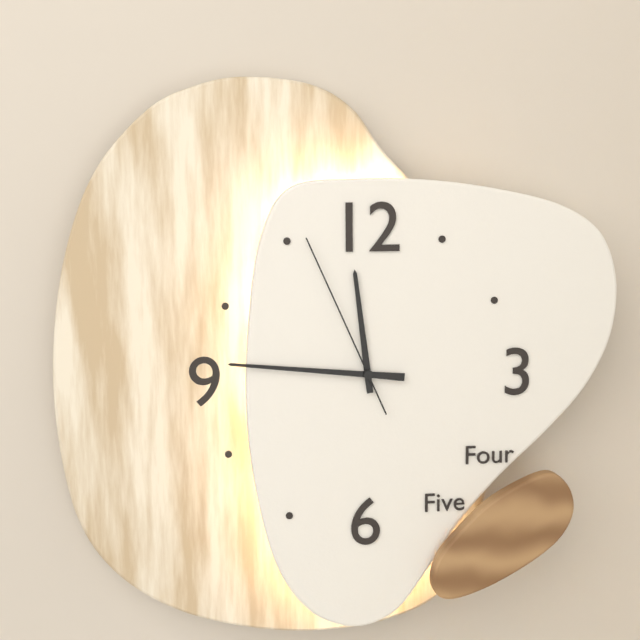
11:46:56
